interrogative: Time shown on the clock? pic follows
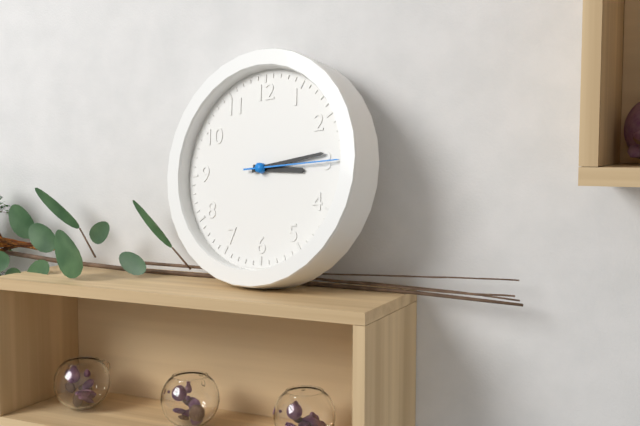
3:14:15
